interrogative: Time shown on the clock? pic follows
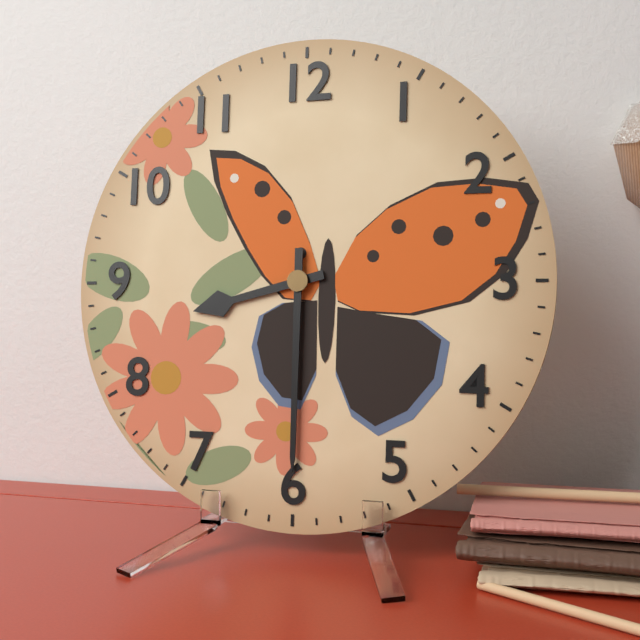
8:30
